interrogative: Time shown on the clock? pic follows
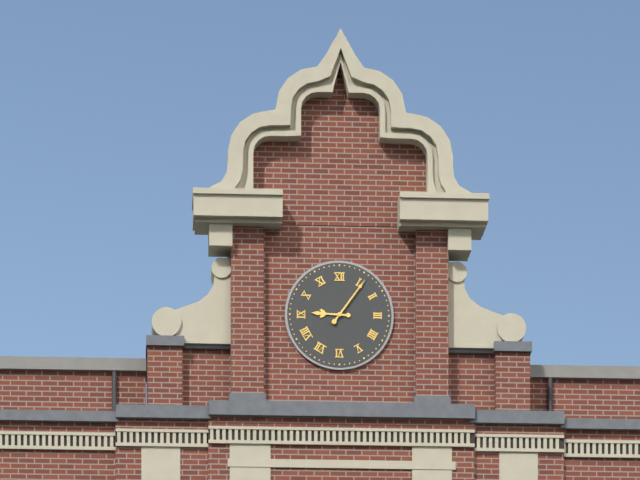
9:06
